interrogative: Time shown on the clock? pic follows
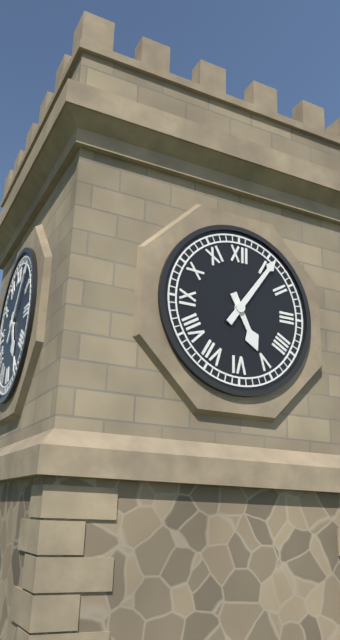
5:06
